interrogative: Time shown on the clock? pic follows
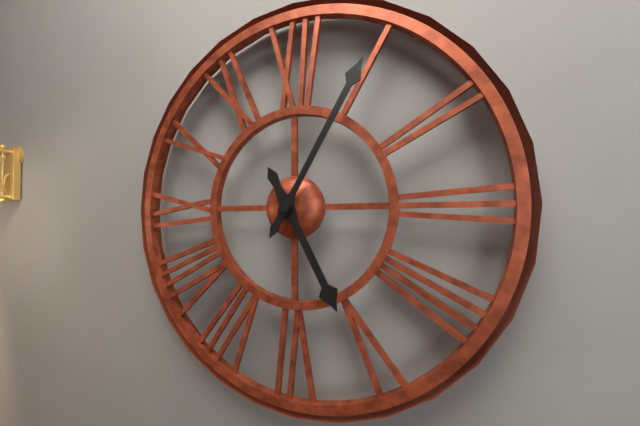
5:05
